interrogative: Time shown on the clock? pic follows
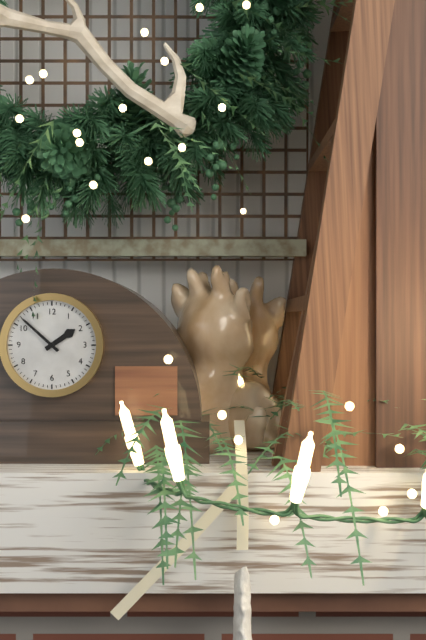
1:52
